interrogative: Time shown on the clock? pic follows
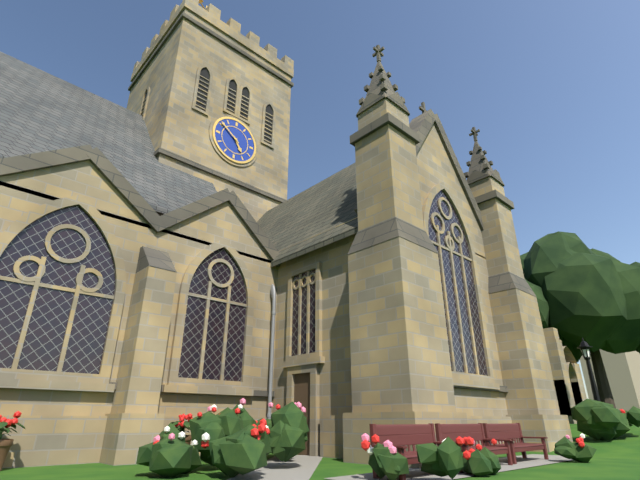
4:51
